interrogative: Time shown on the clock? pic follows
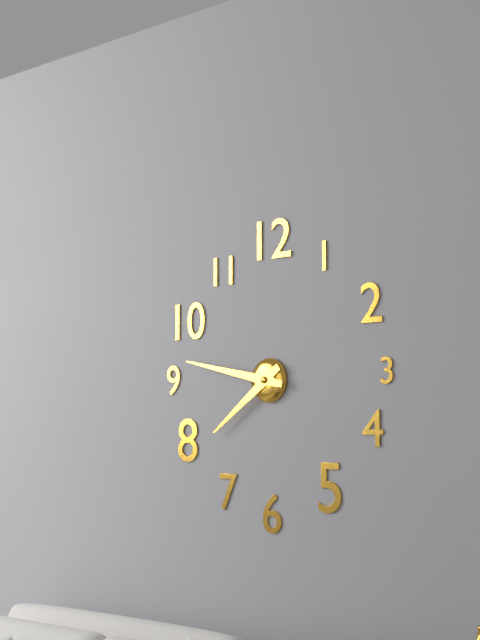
7:47
